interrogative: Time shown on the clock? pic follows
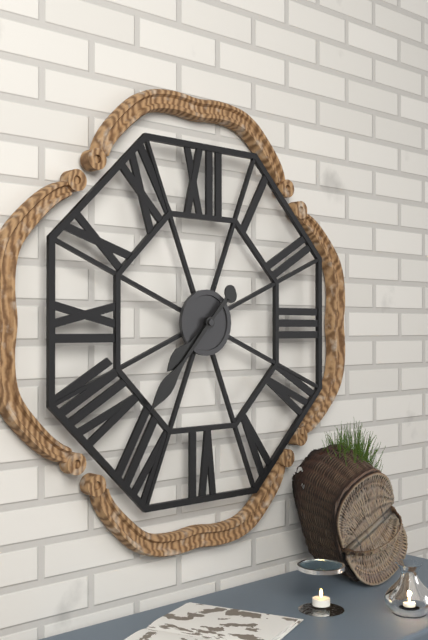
7:37
